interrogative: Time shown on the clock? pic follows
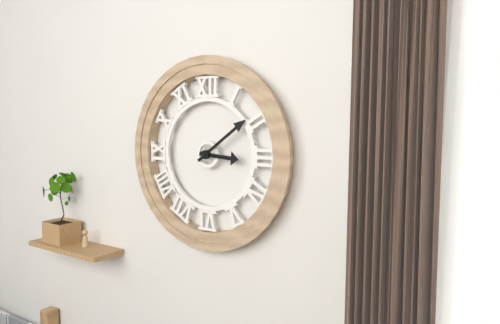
3:09
